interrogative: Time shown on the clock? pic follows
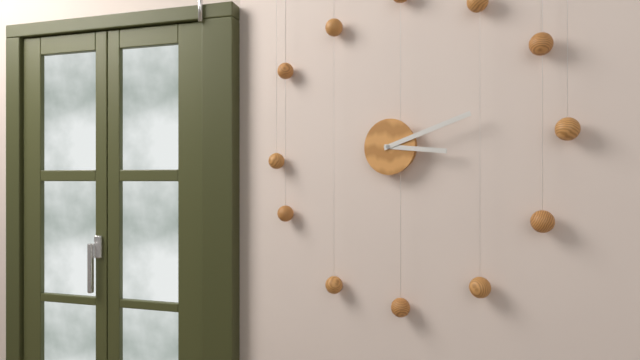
3:12
